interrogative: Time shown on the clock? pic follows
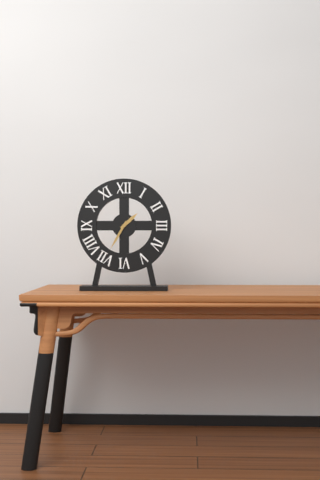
1:35
